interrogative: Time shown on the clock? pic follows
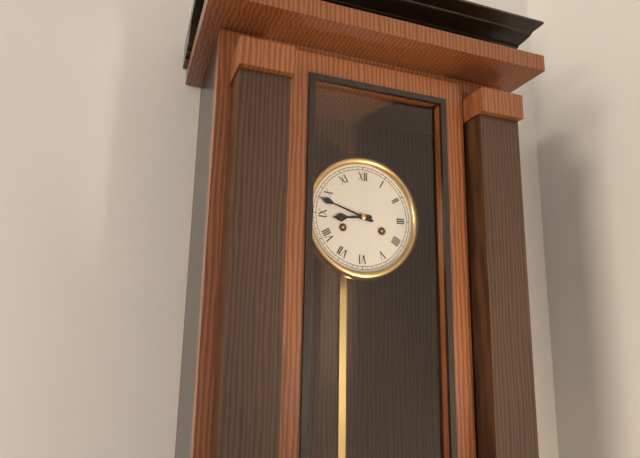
8:48
